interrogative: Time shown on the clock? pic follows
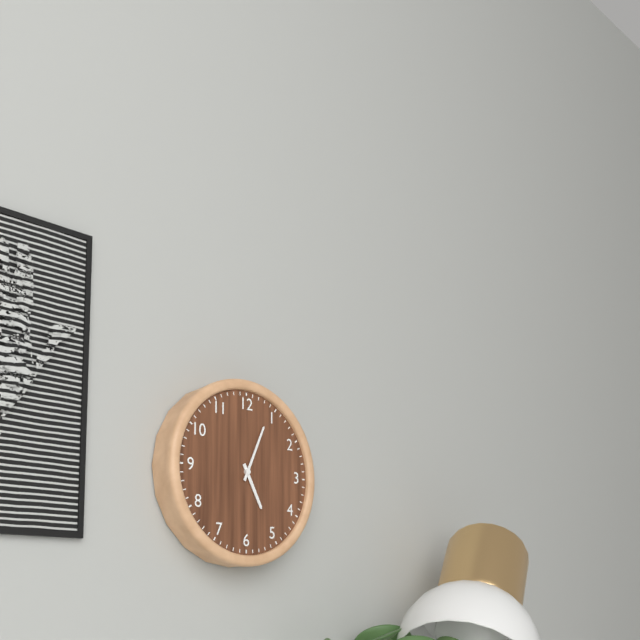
5:04
